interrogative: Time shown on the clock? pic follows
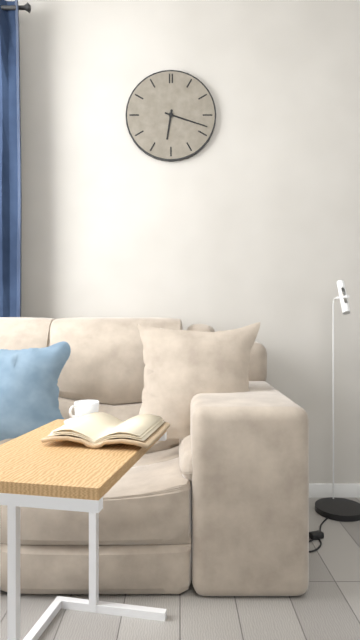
6:18
